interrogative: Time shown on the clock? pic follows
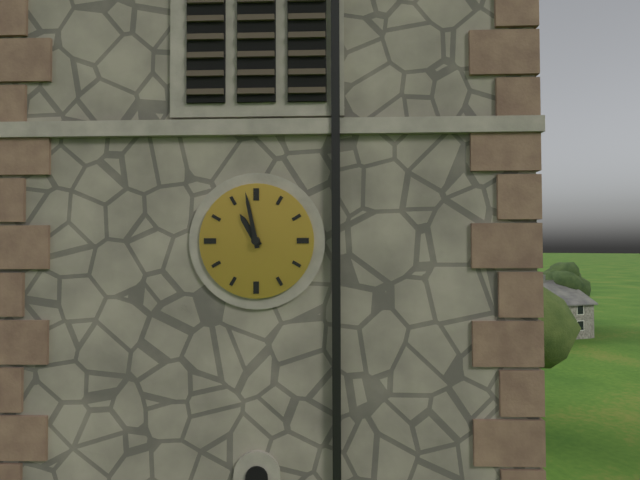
10:58
